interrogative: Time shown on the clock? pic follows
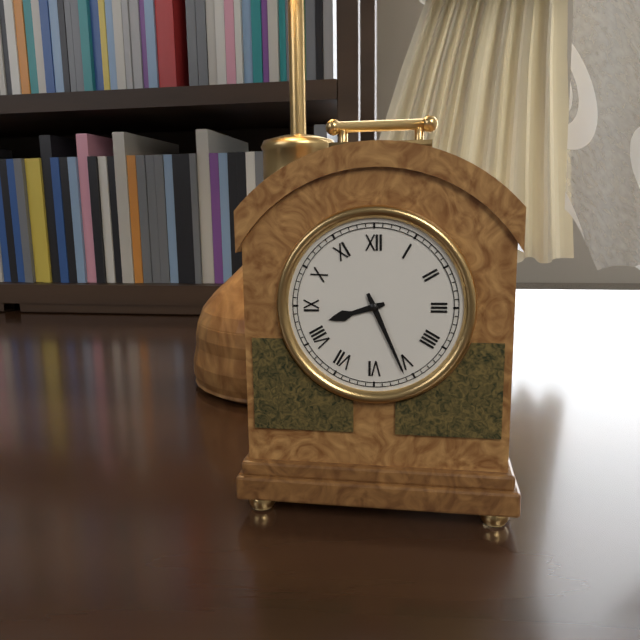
8:26
